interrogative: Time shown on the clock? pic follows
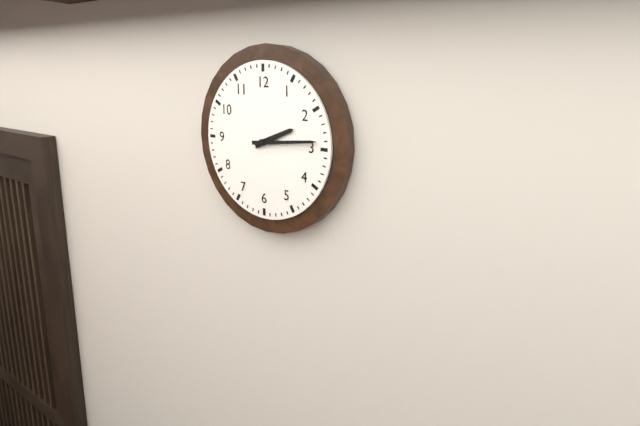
2:14
